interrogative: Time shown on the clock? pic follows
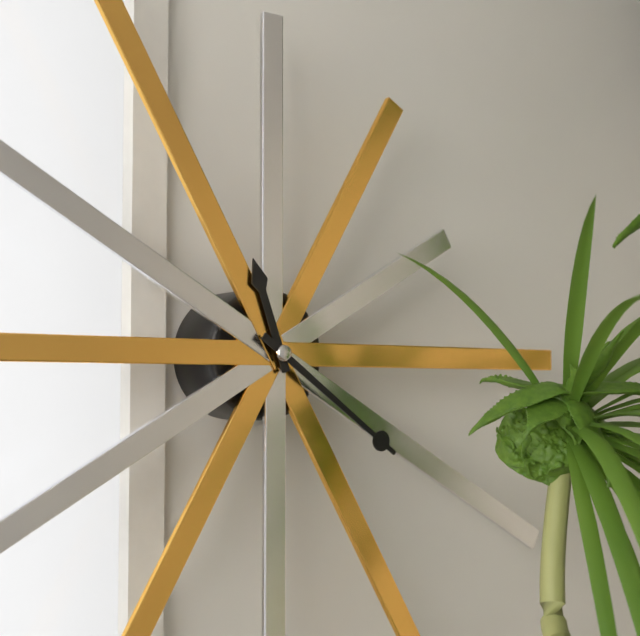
11:21
